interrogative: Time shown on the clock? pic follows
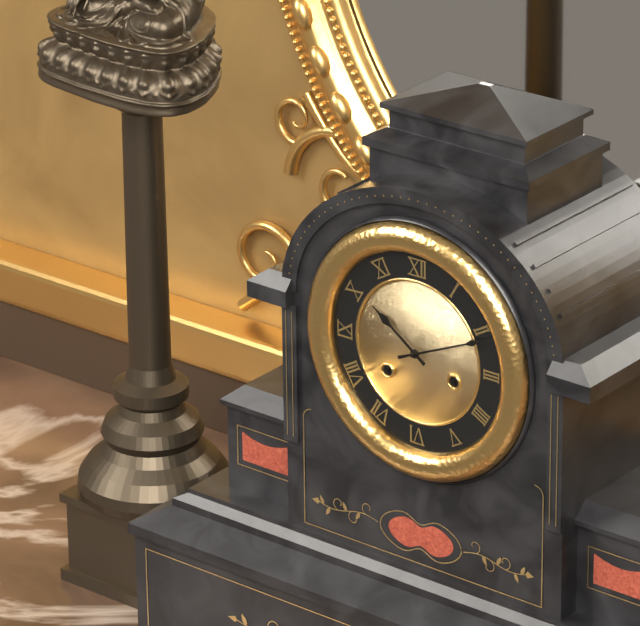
10:11
